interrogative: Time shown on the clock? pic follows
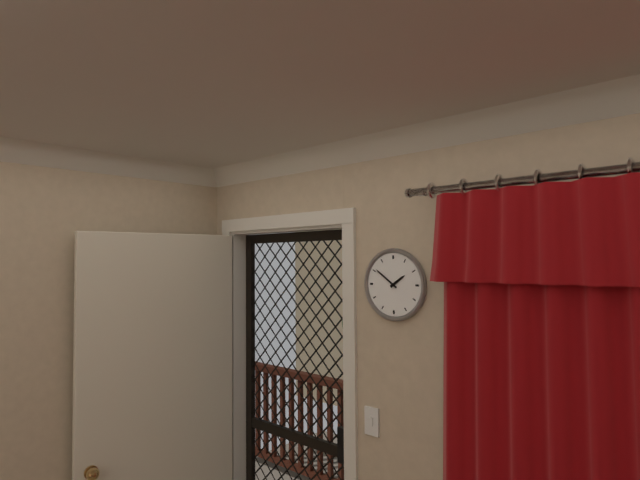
1:51
